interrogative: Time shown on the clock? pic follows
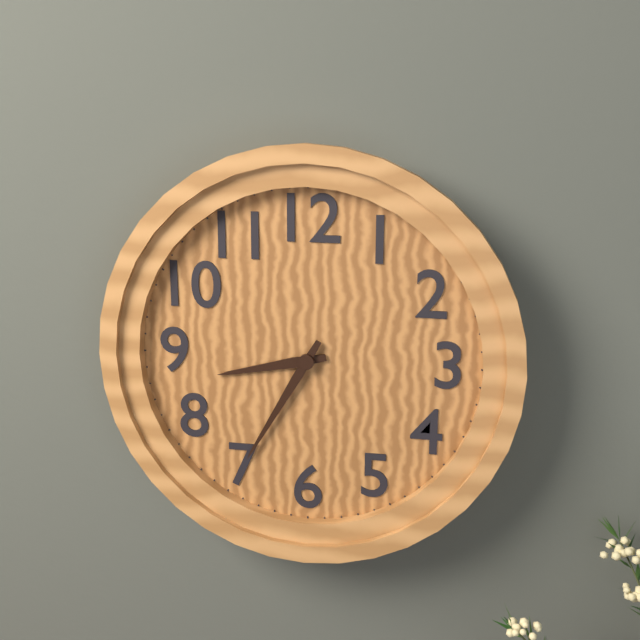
8:35
